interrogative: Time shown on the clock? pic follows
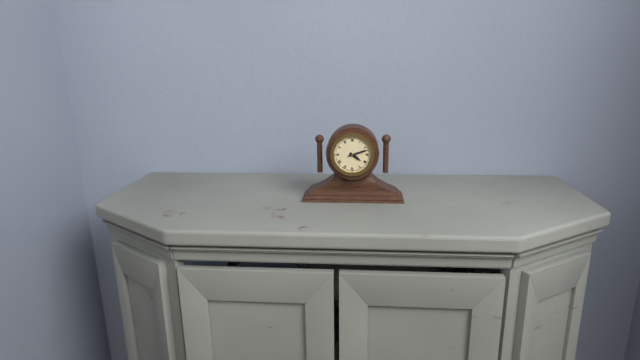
4:12
